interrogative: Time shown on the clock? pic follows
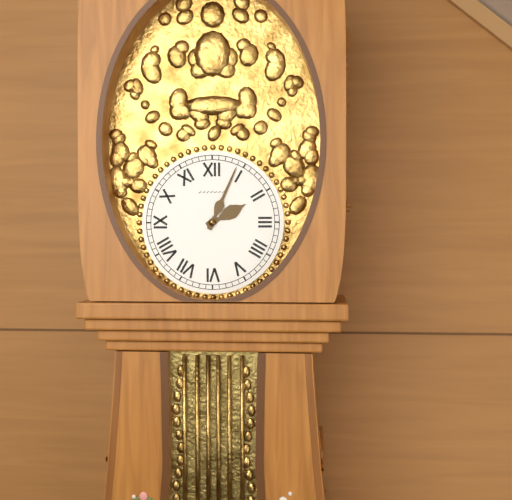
2:04
